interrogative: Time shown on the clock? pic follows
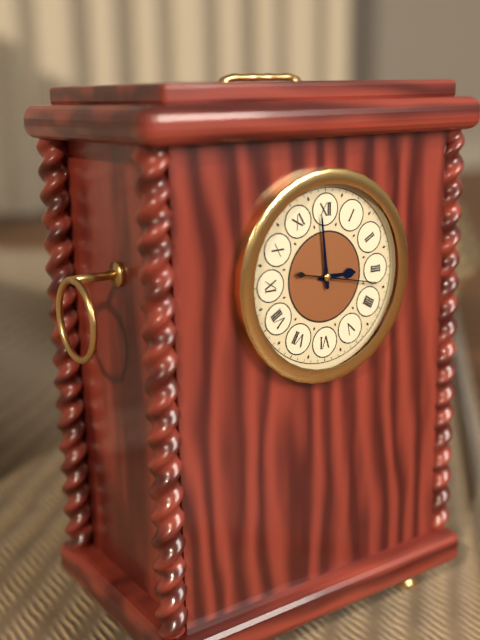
2:59:17
